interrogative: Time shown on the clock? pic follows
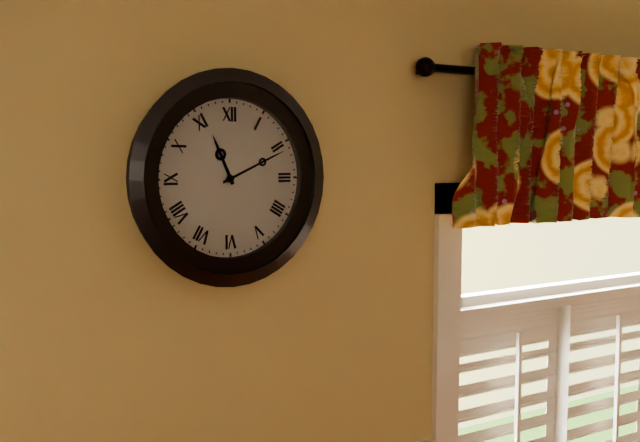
11:11
